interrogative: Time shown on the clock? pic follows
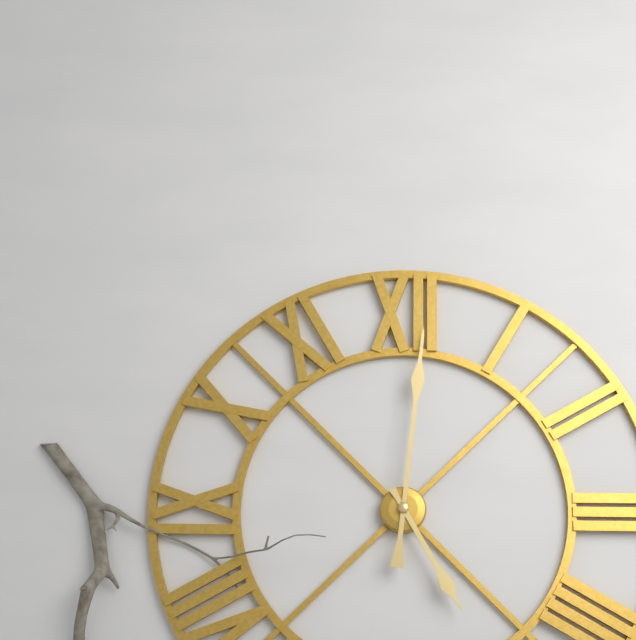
5:01
